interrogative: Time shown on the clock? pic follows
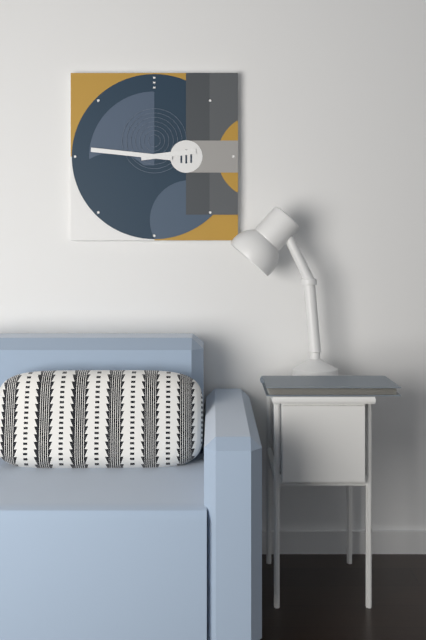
2:46
